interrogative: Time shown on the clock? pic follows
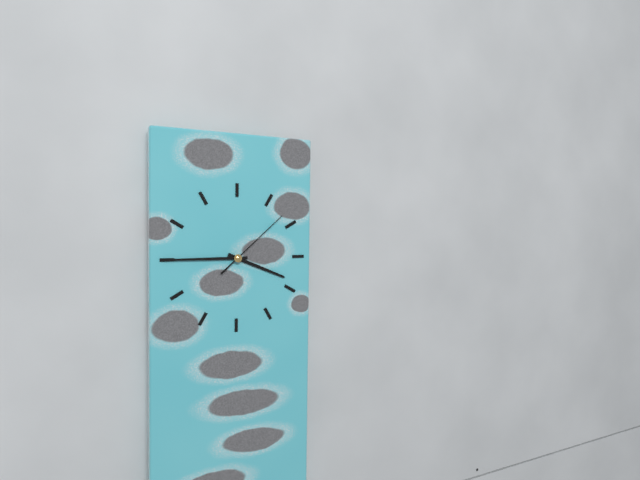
3:45:08
